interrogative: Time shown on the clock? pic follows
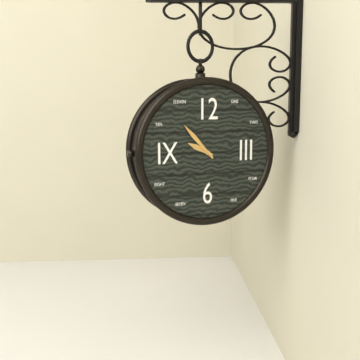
9:53
